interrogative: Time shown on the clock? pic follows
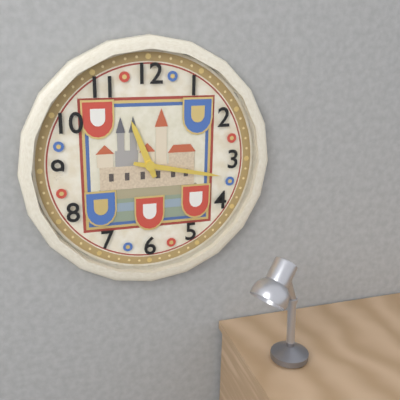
11:17
